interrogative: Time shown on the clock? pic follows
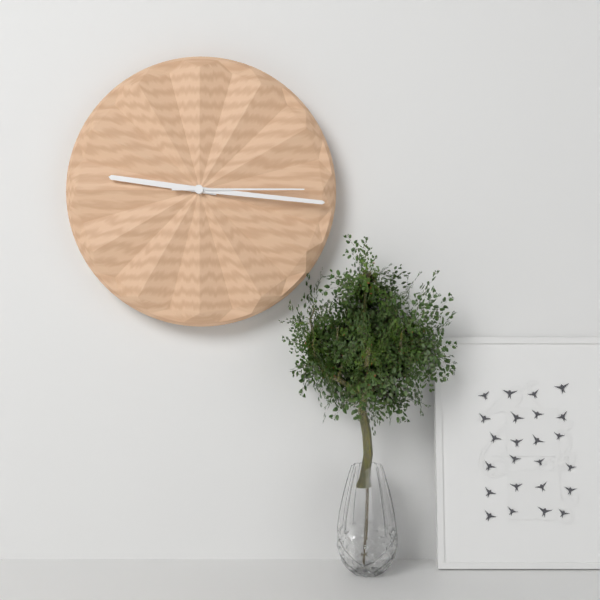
9:16:15
